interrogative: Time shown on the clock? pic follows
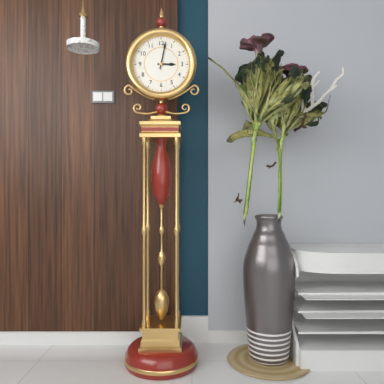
3:02
